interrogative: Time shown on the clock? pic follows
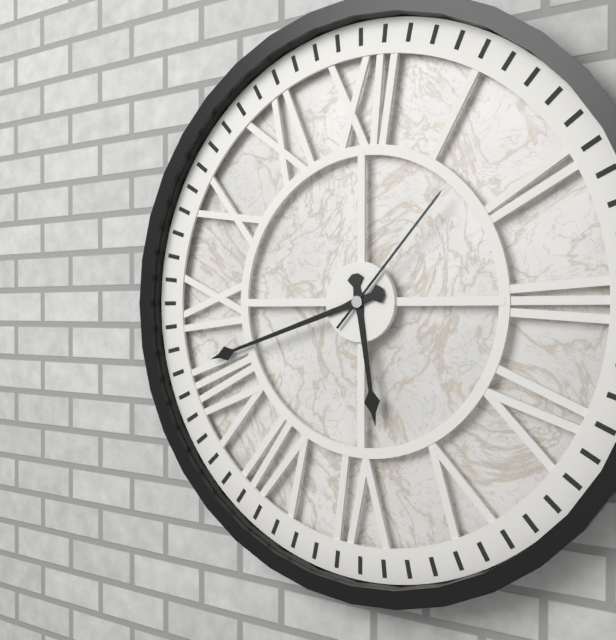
5:42:07
